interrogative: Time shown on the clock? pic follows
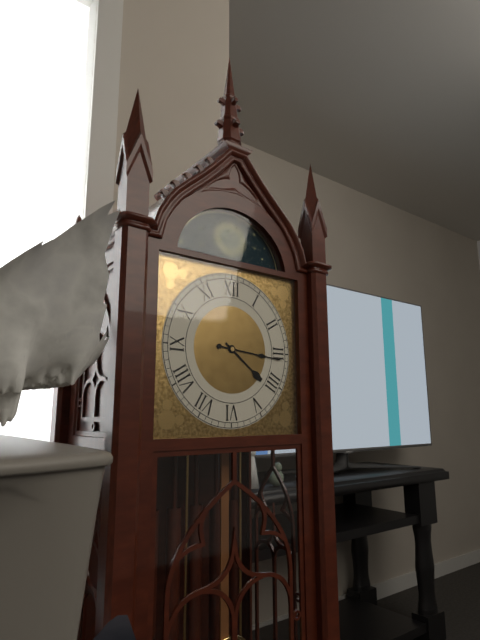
4:16
